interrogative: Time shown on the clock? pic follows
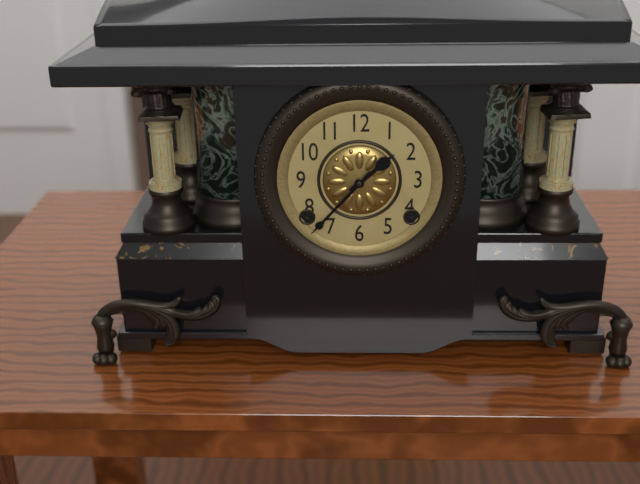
1:37
